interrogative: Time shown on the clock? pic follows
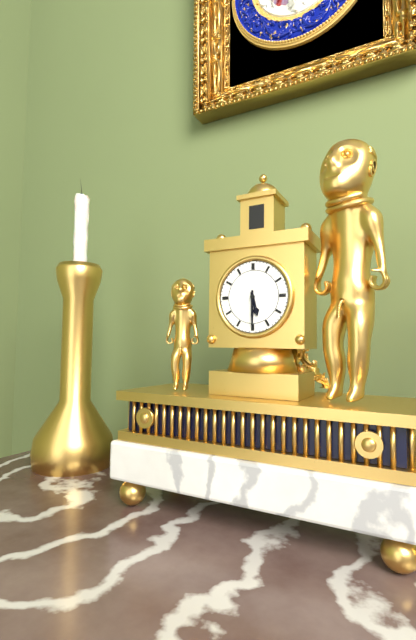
5:30
